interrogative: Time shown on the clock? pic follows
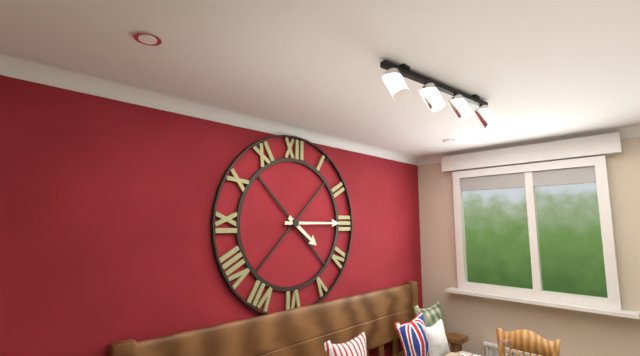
4:15
